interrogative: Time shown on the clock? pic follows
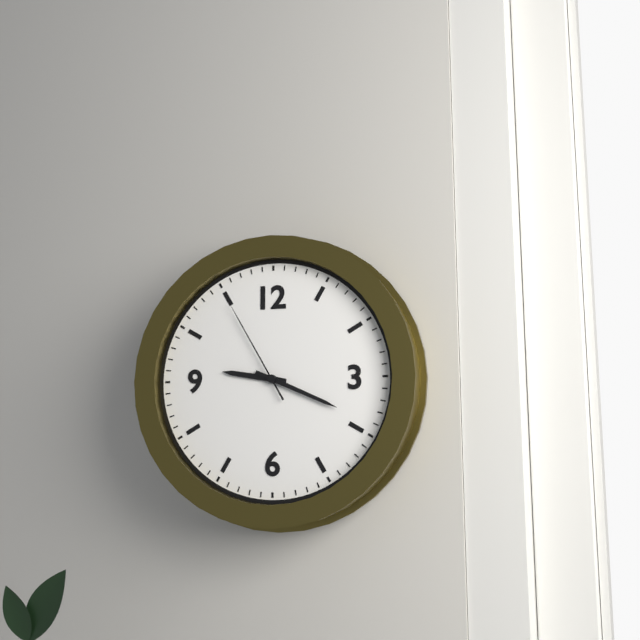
9:19:55
